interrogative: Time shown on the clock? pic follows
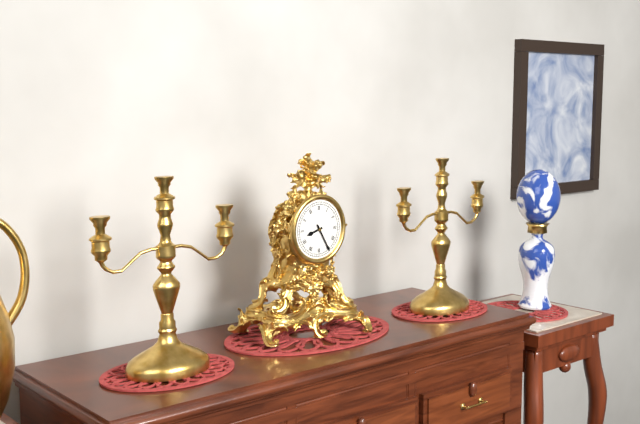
8:25
